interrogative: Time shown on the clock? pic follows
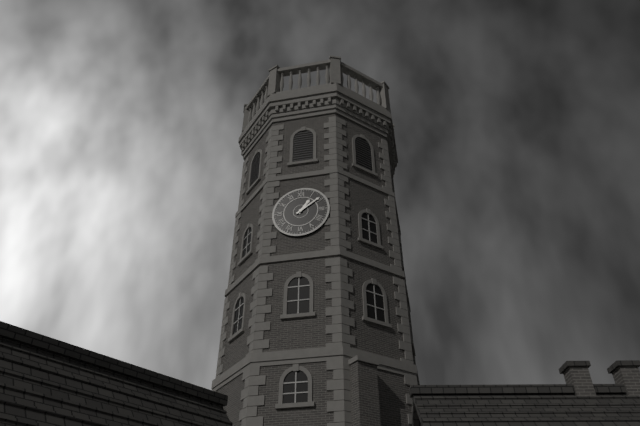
1:09
